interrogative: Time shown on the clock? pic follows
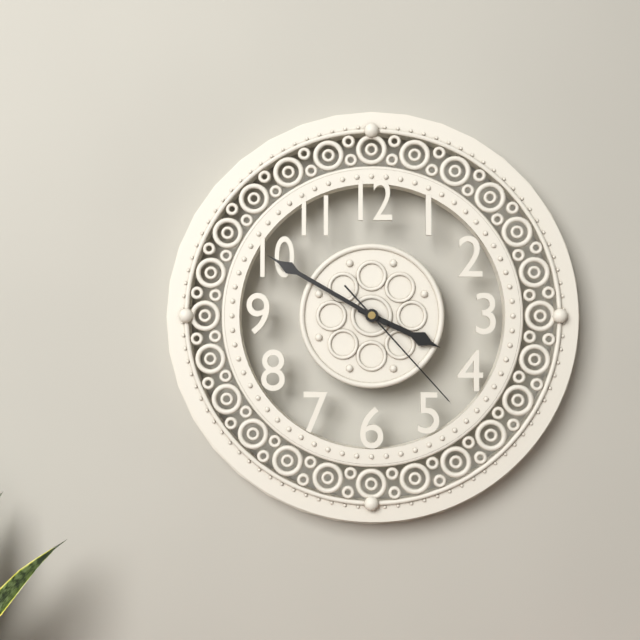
3:50:23
